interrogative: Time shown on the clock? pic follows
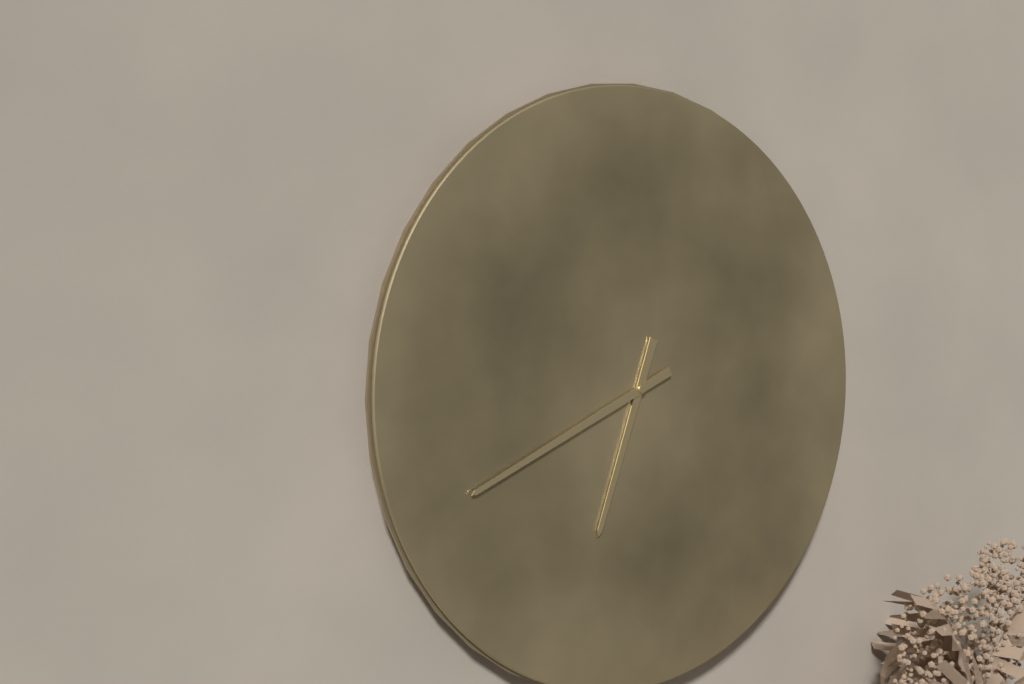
6:41
